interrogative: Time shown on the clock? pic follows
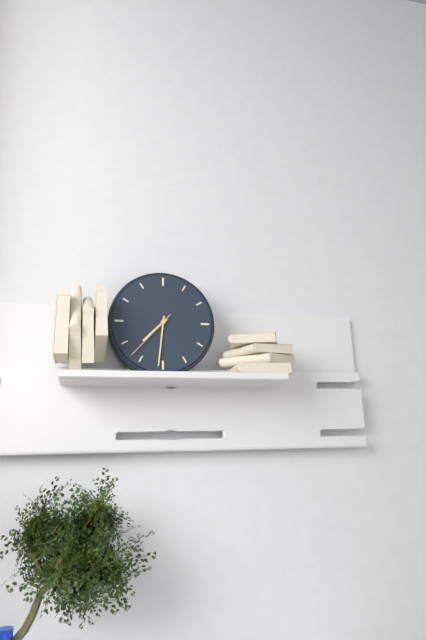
7:31:37
